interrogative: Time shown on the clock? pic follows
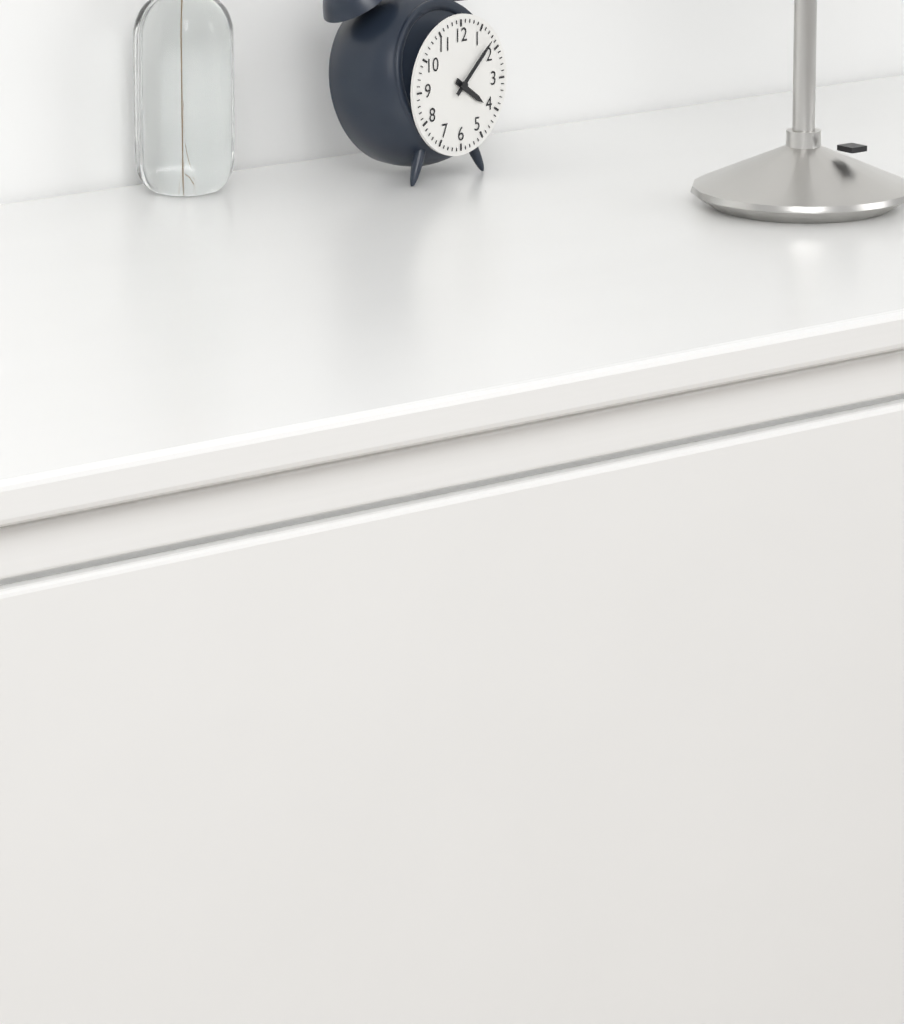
4:08
